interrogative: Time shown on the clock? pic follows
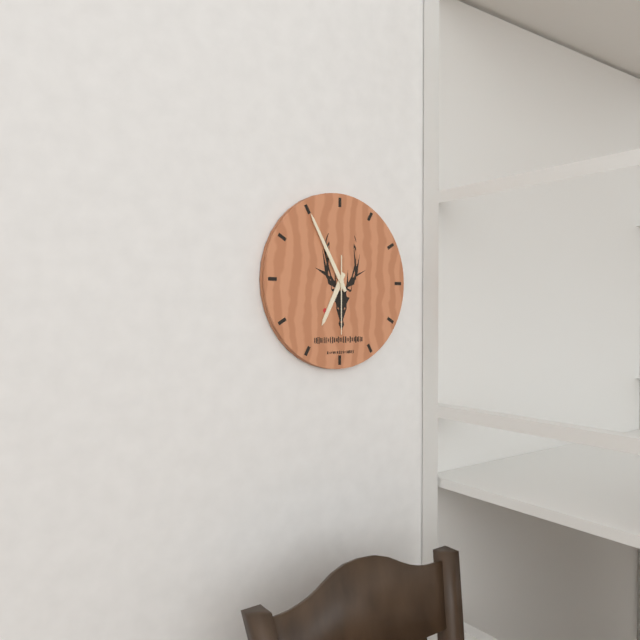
6:55:30
